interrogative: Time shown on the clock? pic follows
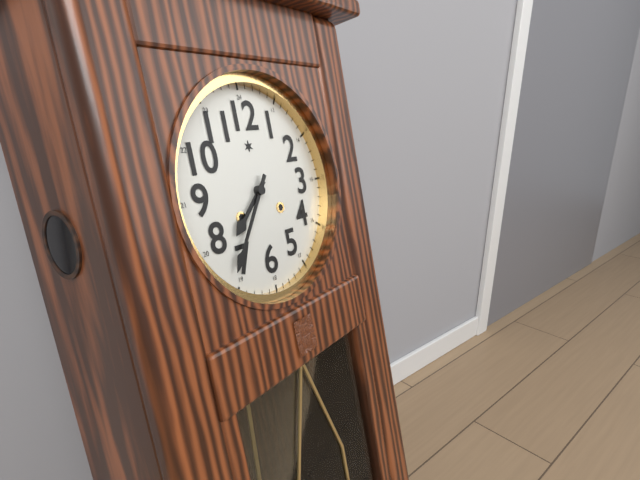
7:36
